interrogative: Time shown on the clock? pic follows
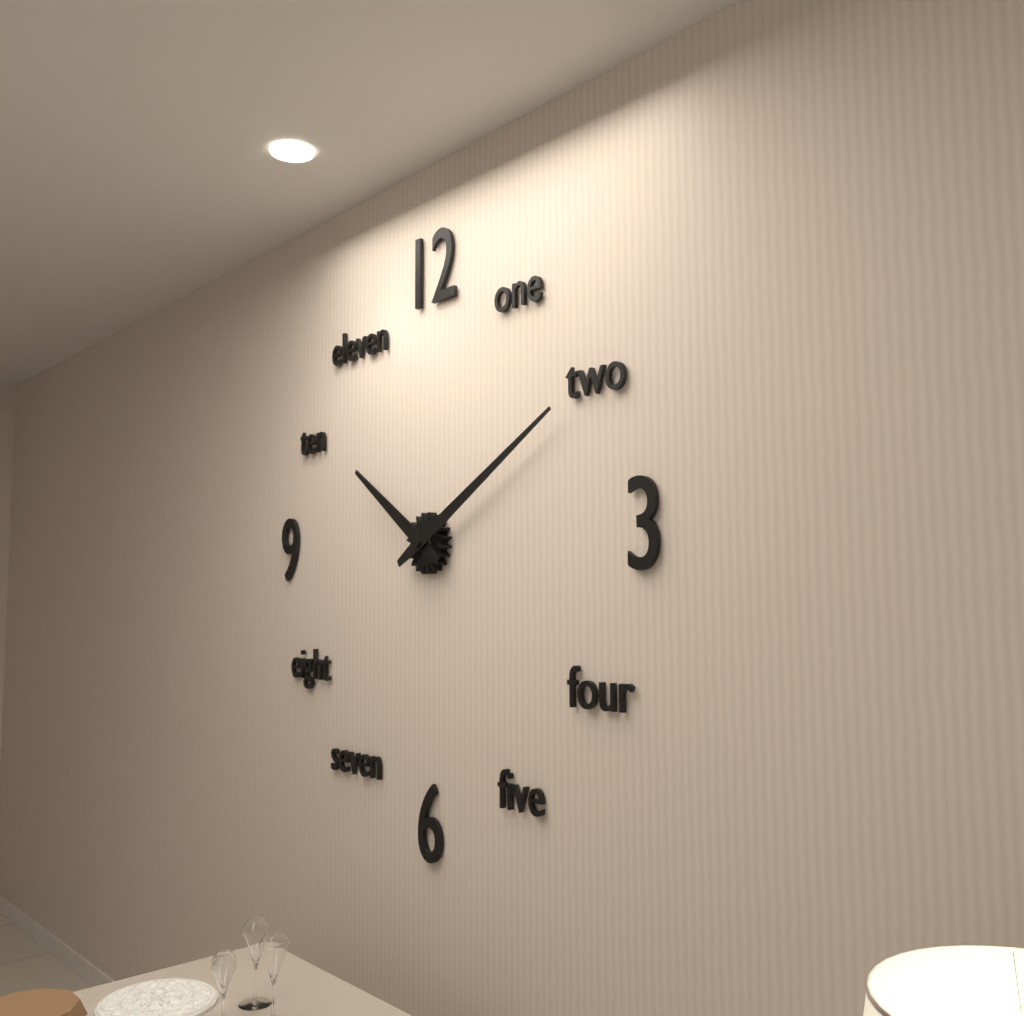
10:10
